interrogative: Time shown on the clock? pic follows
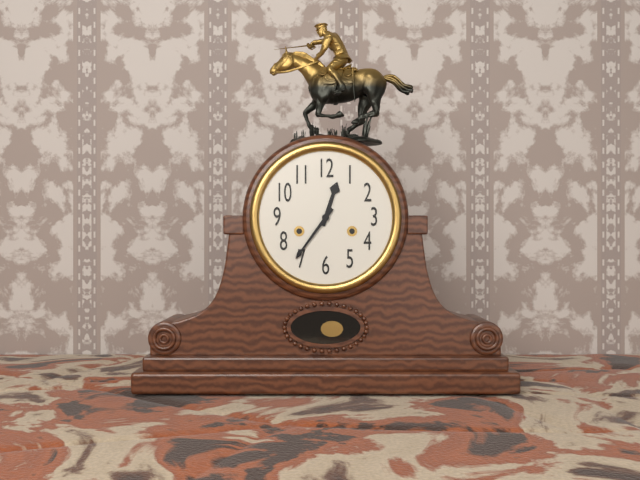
12:36
